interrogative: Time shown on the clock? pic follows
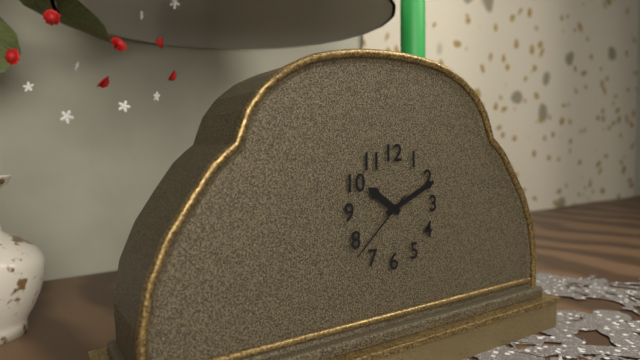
10:11:38
